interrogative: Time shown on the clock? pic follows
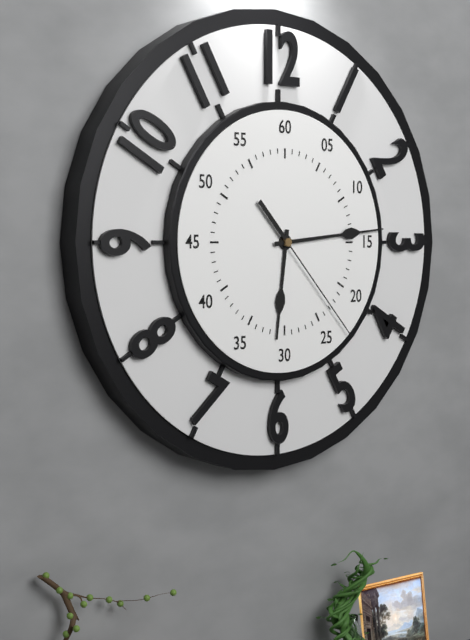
6:14:23
